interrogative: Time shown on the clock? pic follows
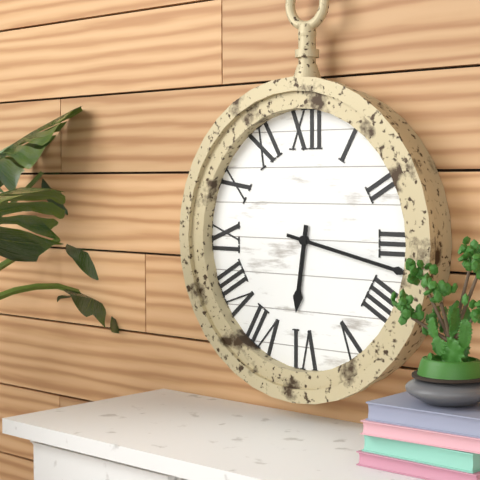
6:17
